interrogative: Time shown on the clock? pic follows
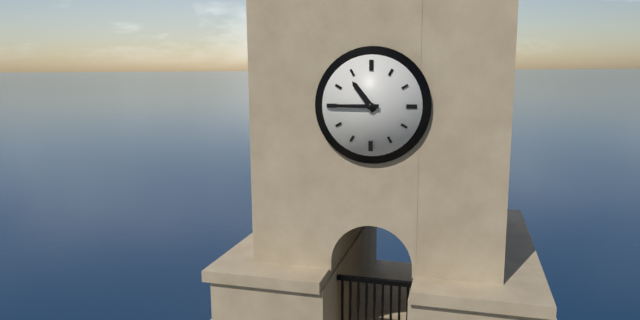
10:45
